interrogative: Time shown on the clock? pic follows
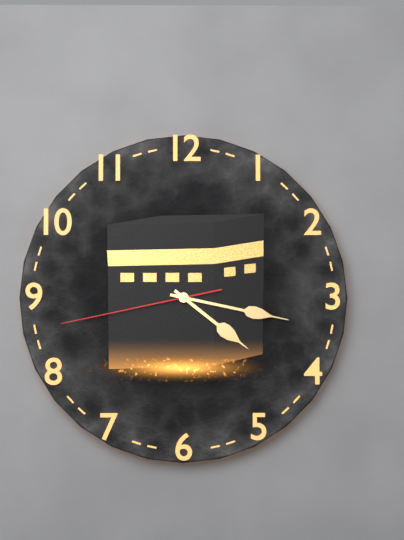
4:17:43
